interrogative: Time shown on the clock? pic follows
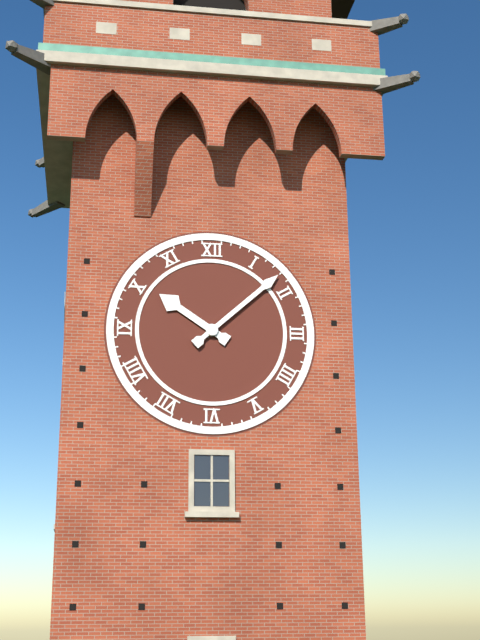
10:08
